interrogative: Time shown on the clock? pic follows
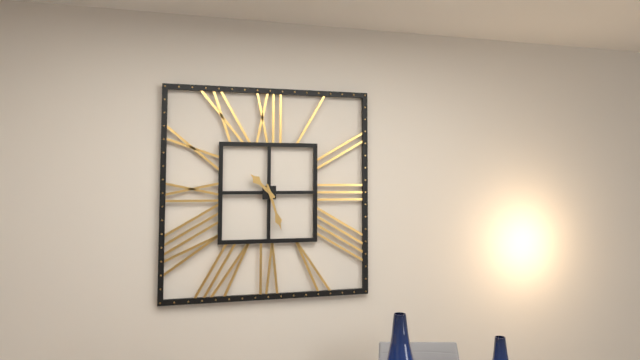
10:27
